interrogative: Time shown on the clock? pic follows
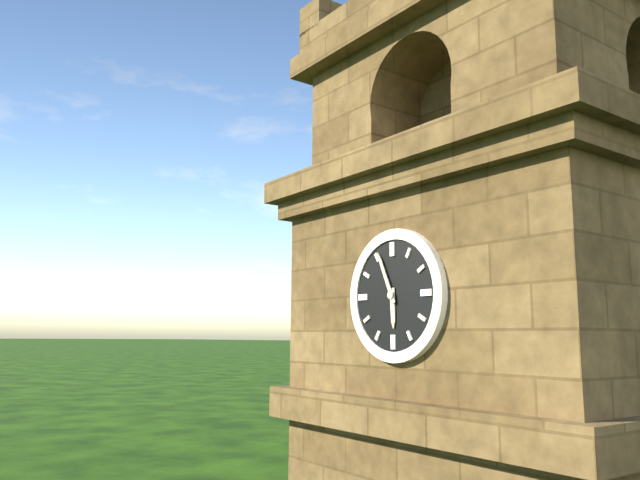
5:56
